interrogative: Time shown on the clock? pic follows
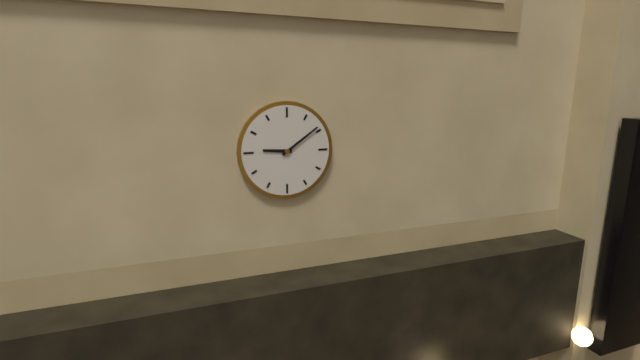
9:09
